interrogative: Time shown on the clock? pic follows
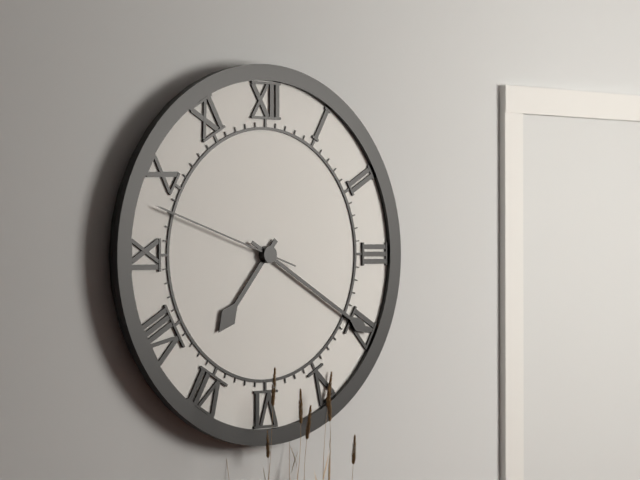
7:20:48
